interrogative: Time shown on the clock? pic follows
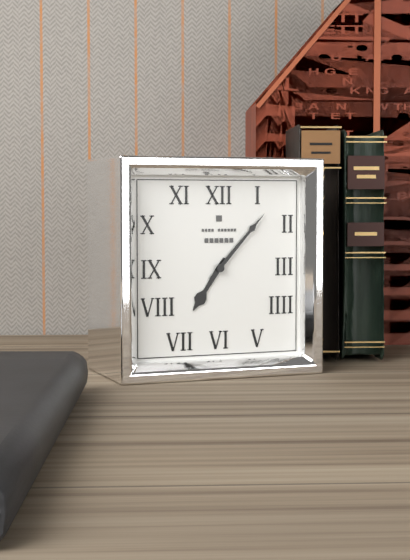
7:07
